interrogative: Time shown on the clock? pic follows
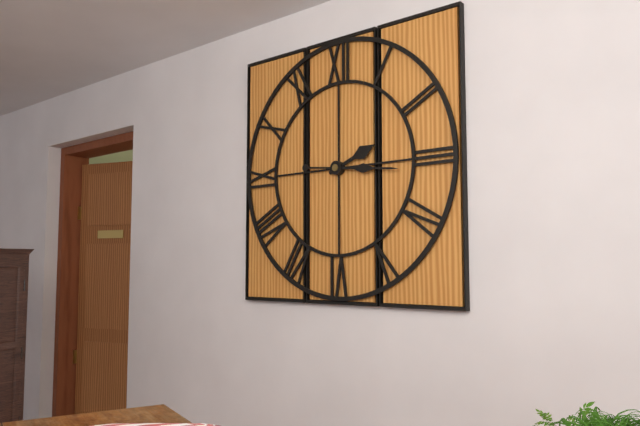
2:16
